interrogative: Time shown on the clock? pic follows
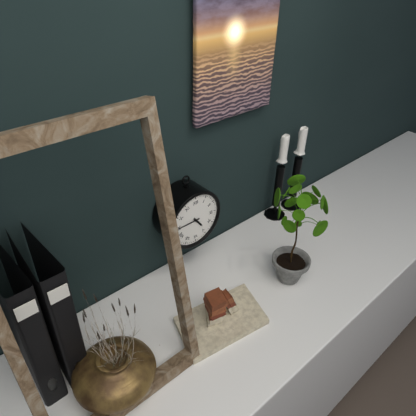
4:45
